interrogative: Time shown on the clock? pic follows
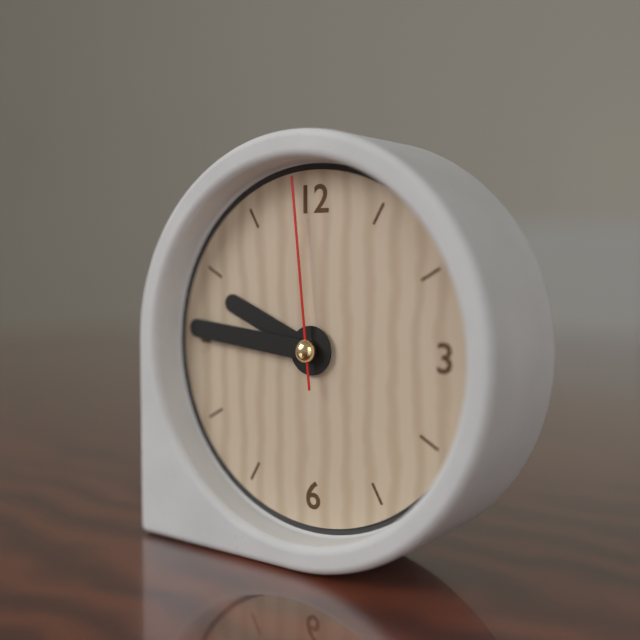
9:46:59
